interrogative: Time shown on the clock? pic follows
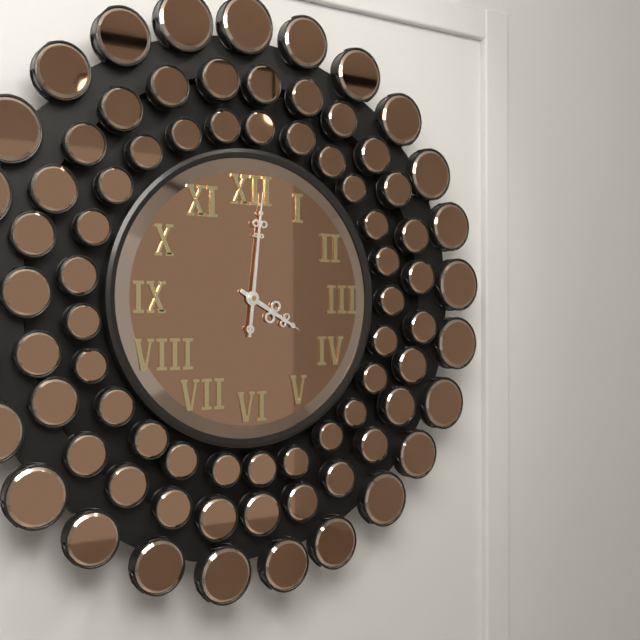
4:01
